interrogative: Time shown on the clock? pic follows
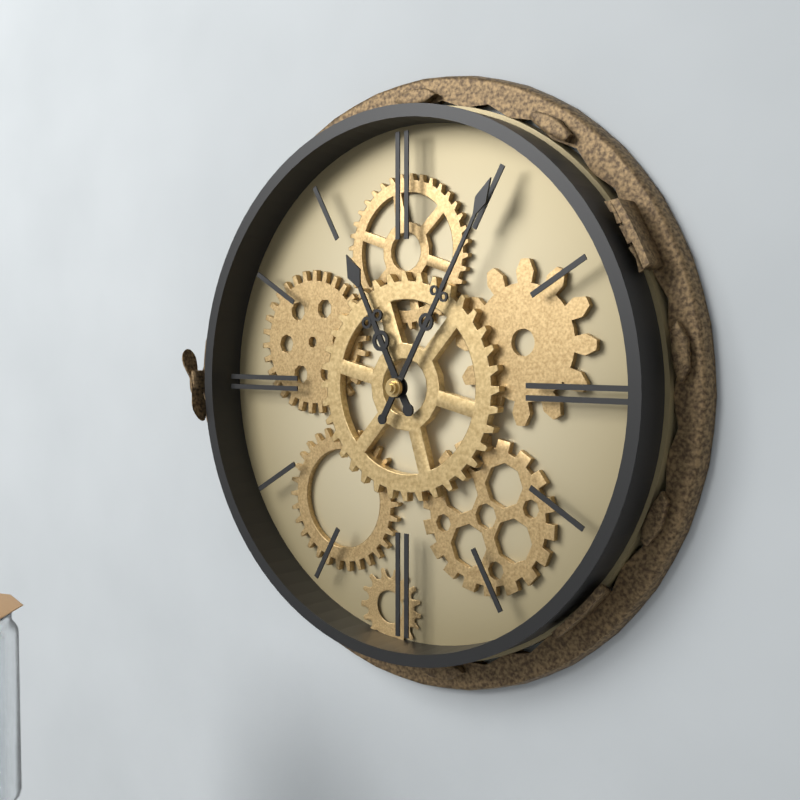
11:05
